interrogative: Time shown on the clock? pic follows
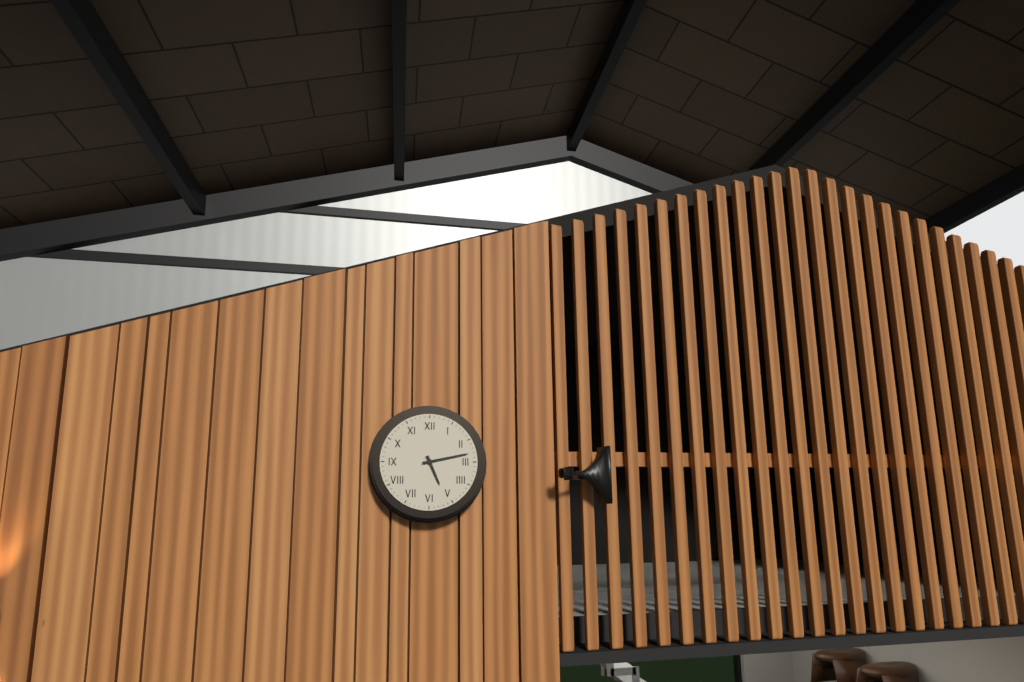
5:13
